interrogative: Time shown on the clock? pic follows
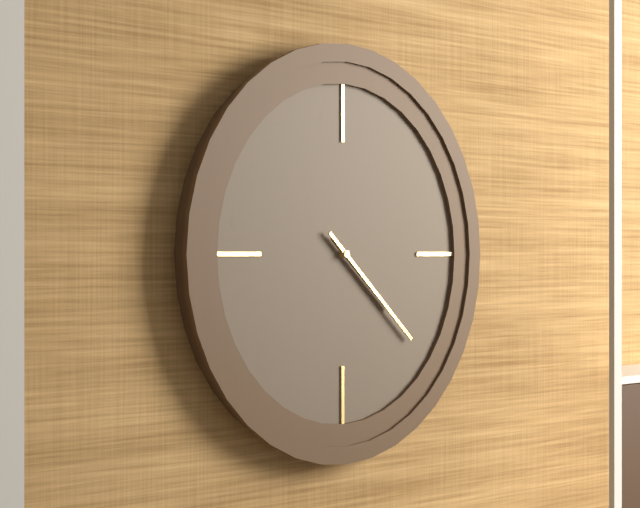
4:22
